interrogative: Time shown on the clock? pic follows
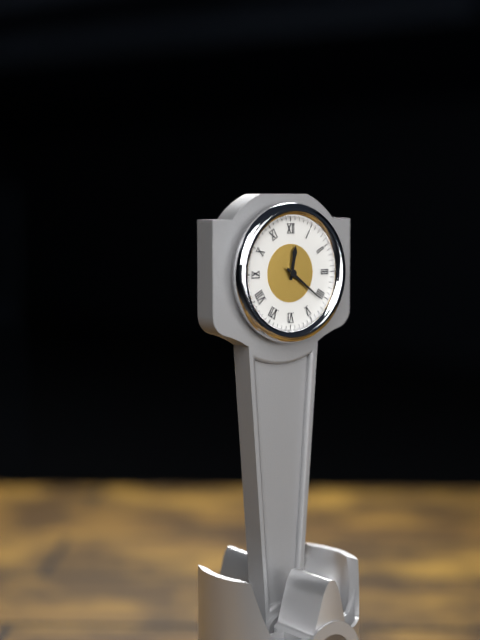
12:21
